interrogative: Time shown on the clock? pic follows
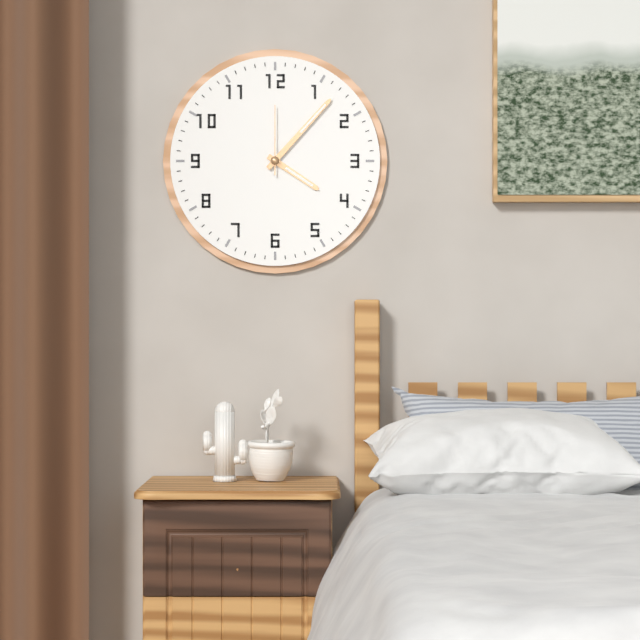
4:07:00
